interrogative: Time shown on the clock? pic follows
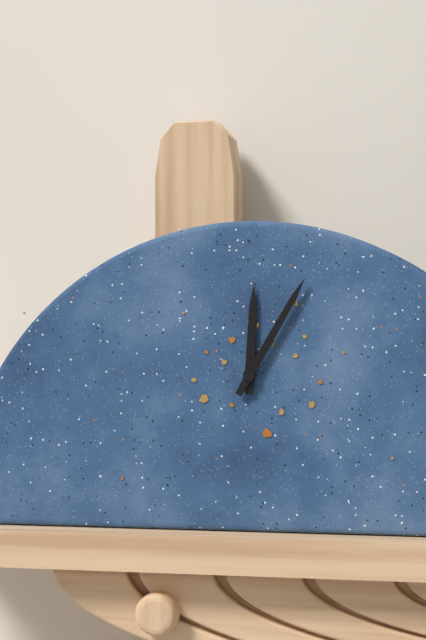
12:05
